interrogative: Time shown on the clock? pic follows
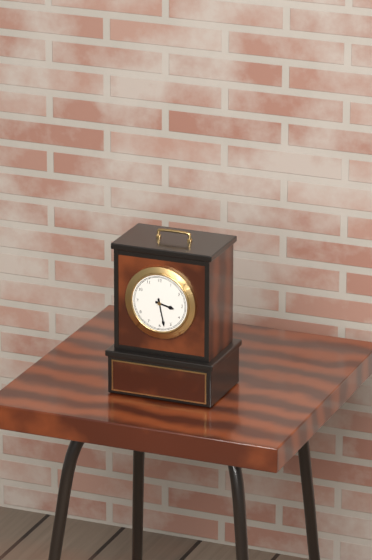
3:28
